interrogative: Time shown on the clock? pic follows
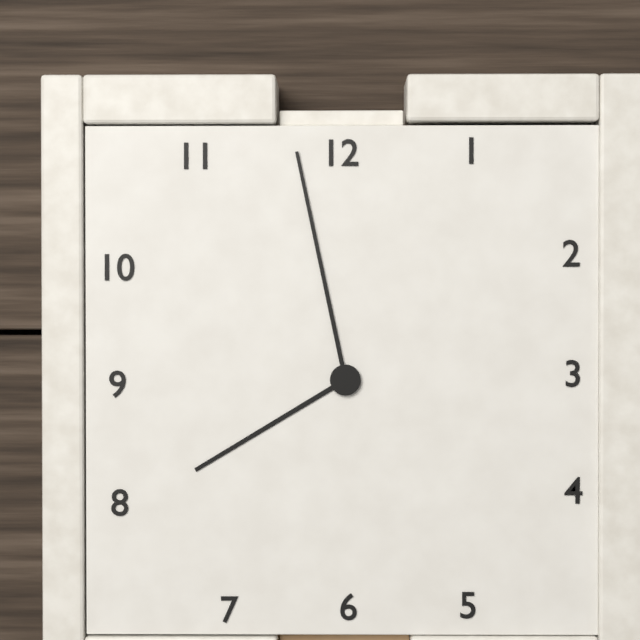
7:58
